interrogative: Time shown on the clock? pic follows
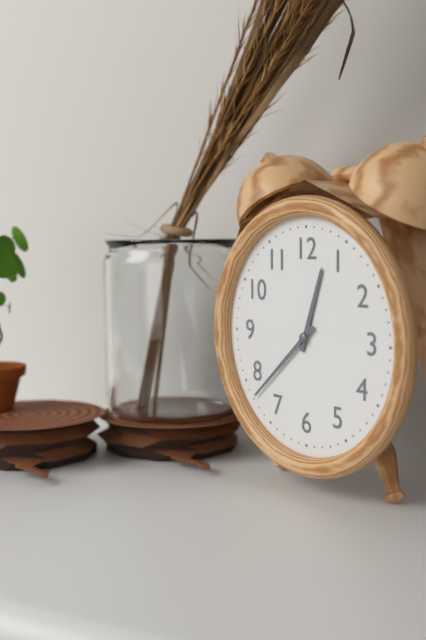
12:38
